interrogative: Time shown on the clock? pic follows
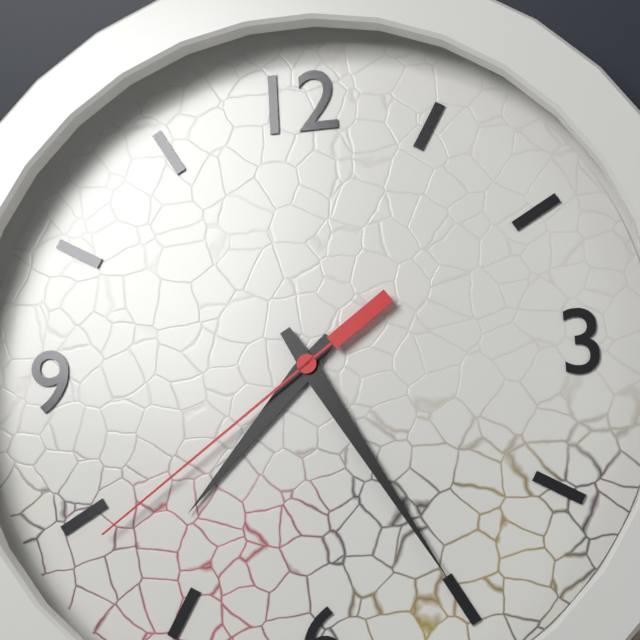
7:25:39
